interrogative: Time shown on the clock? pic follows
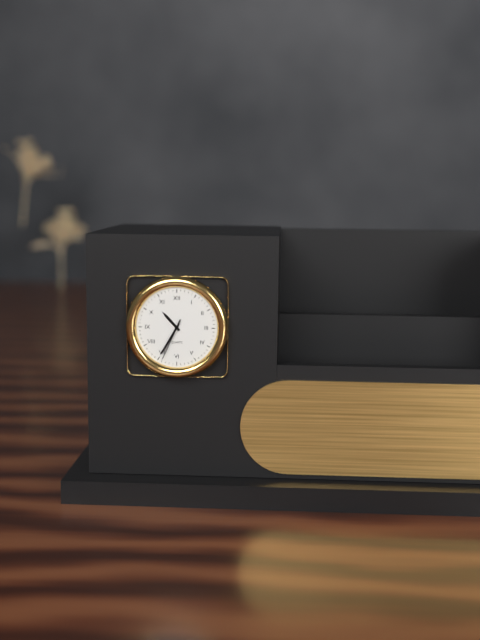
10:35
